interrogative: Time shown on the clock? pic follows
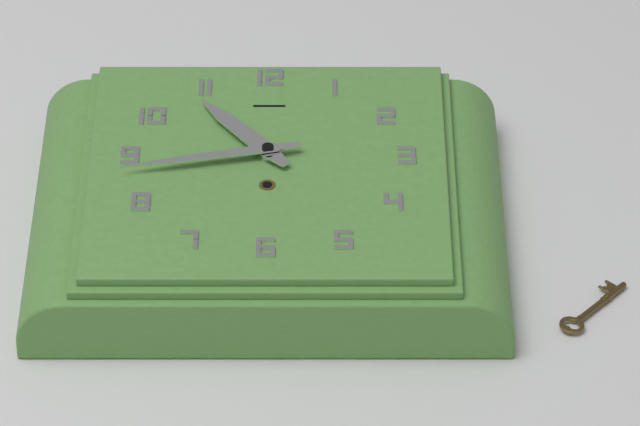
10:43
